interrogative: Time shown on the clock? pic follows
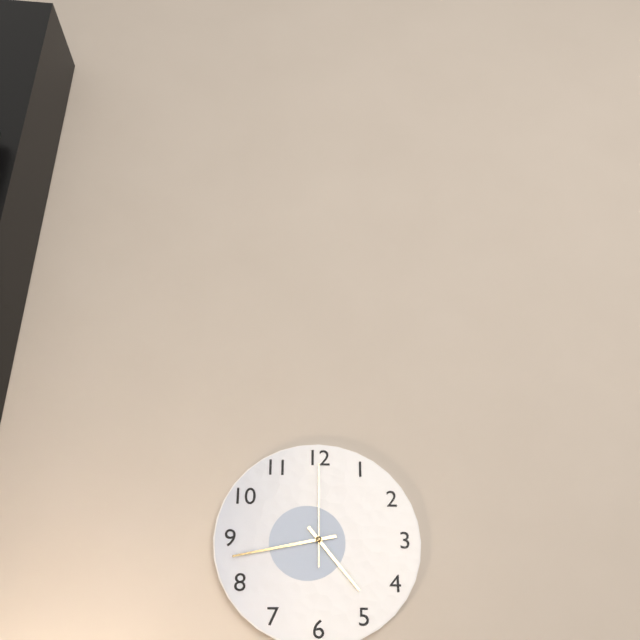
4:43:00
